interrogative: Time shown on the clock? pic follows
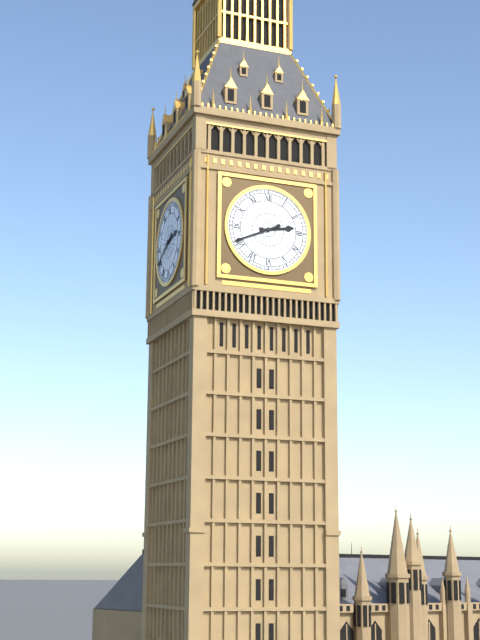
2:41
